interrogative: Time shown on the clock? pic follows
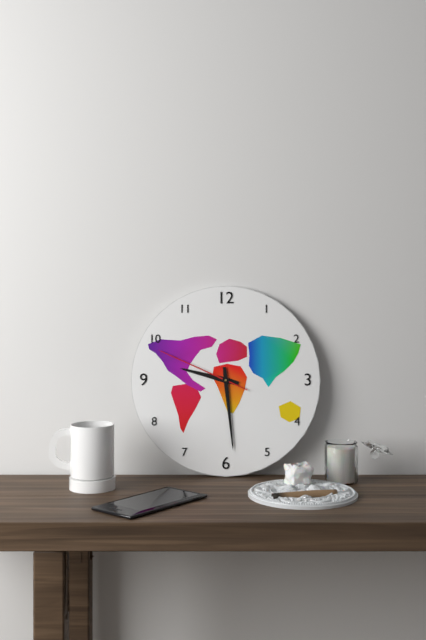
9:29:49
